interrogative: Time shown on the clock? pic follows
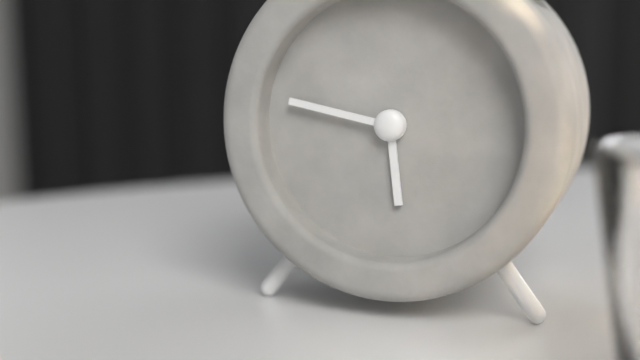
5:47
